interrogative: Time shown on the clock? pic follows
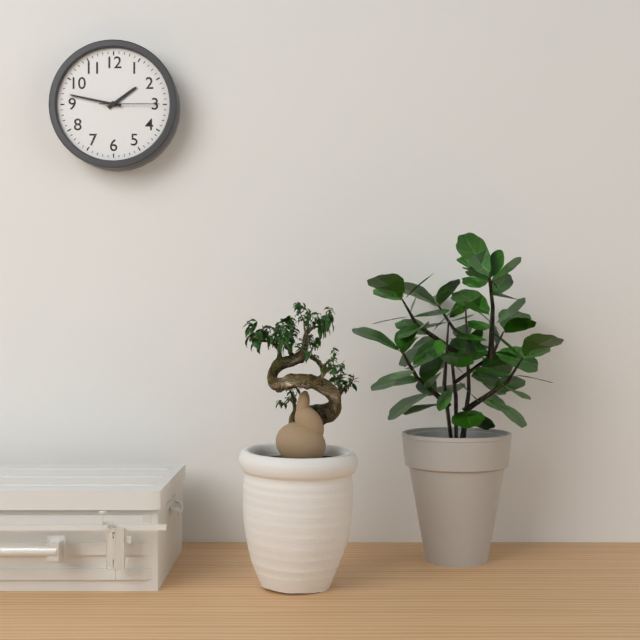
1:47:15
